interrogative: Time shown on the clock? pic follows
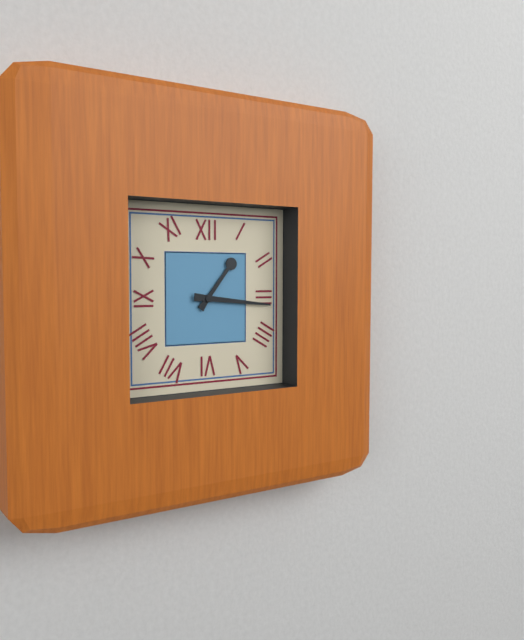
1:16
